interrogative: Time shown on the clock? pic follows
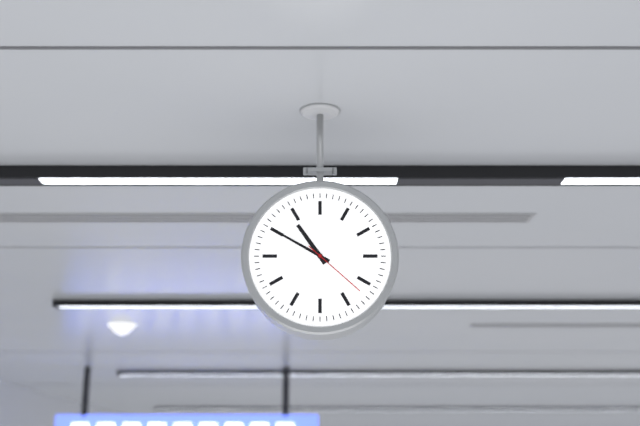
10:50:22
